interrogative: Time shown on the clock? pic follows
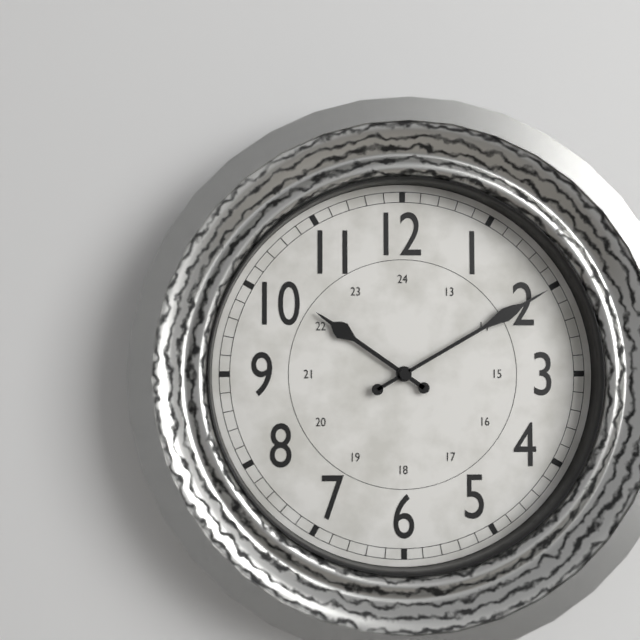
10:10
